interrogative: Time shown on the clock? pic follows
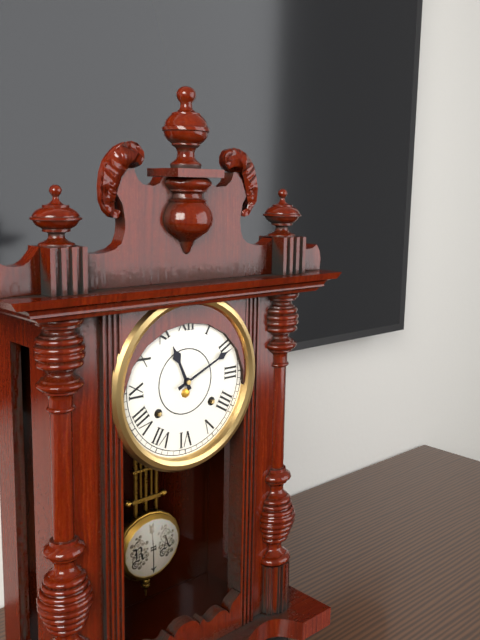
11:11
